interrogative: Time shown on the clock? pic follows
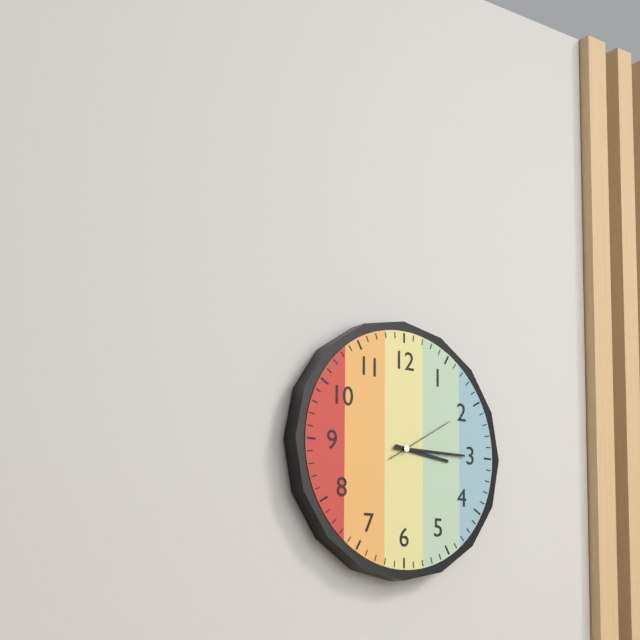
3:15:10
